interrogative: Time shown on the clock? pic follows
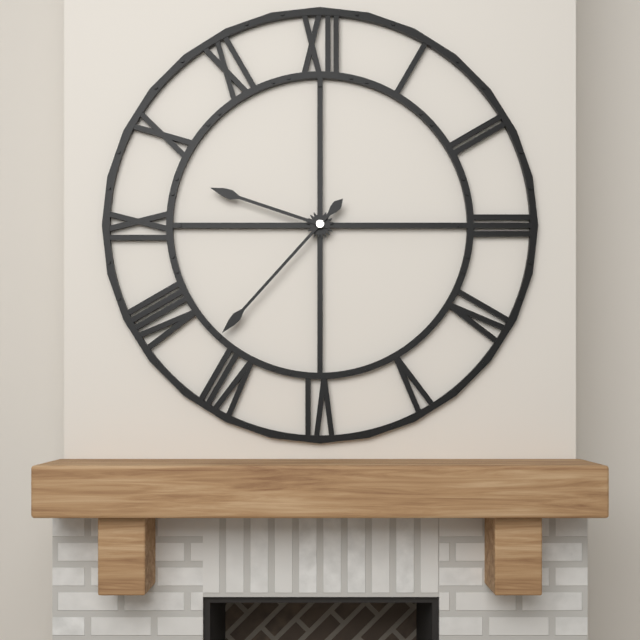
9:37
